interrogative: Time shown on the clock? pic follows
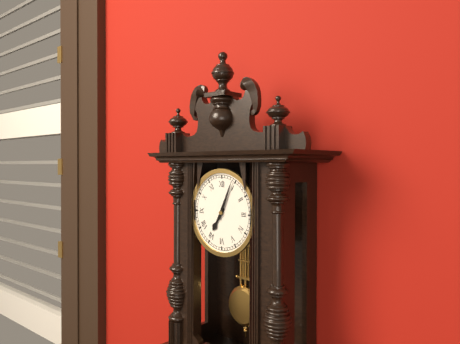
7:04
